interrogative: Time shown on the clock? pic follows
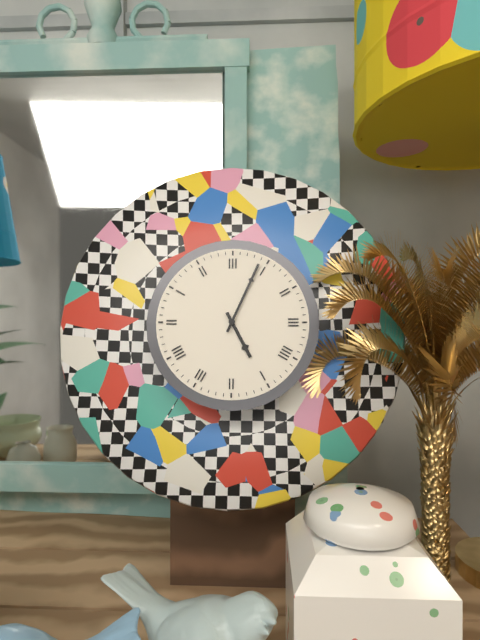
5:04
